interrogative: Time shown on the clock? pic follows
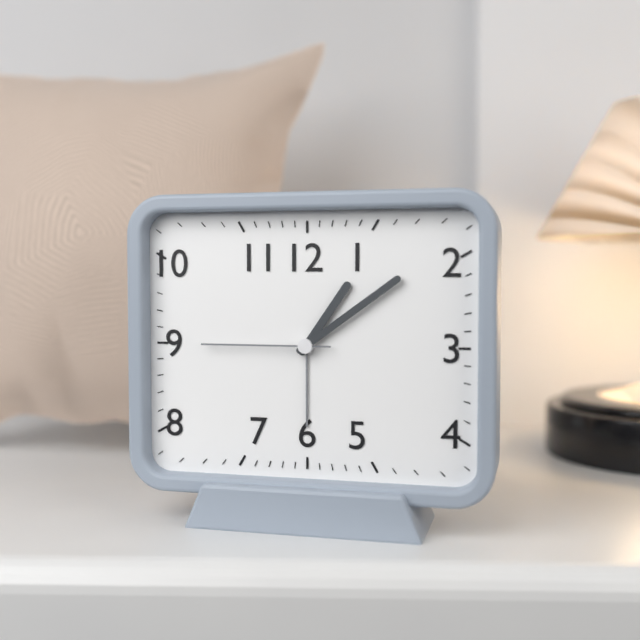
1:09:45
